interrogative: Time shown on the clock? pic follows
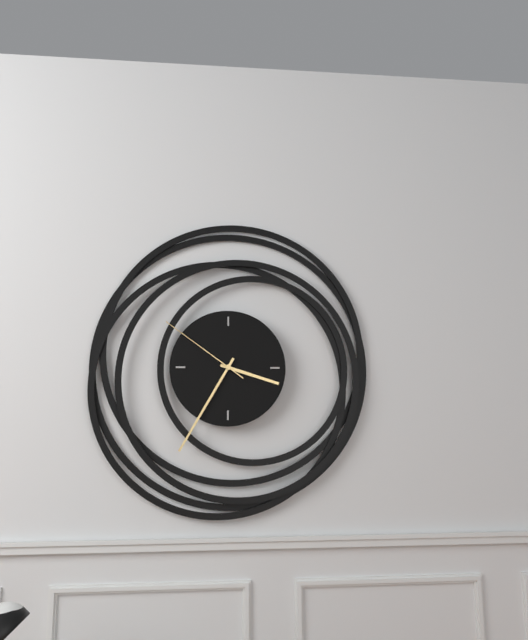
3:35:51
